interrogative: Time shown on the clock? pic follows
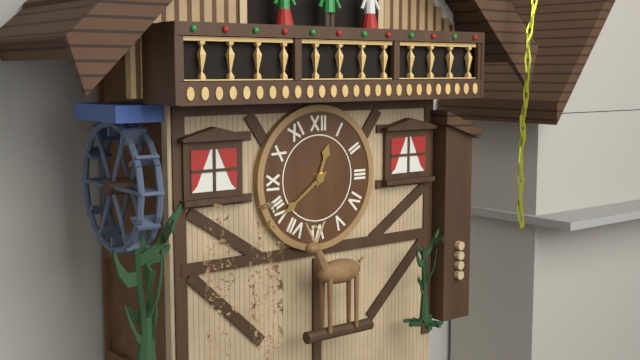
12:39
